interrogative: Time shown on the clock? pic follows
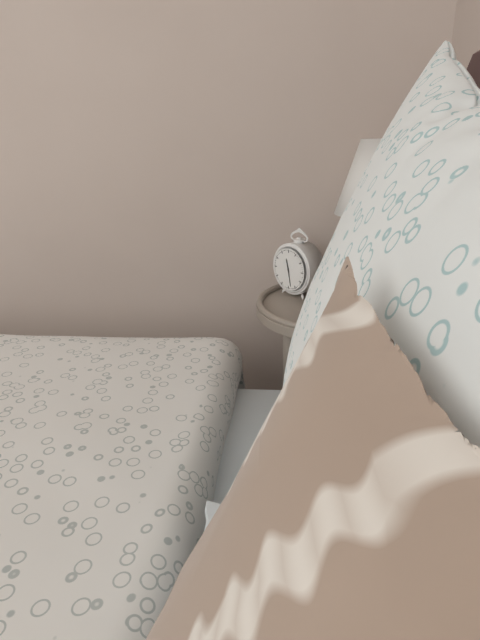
11:28
